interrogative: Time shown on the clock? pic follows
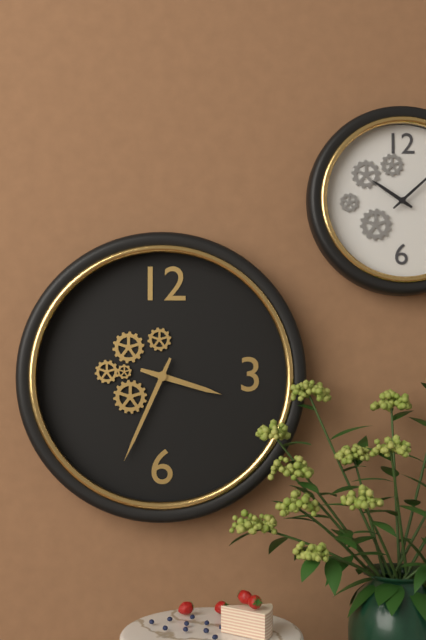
3:34
